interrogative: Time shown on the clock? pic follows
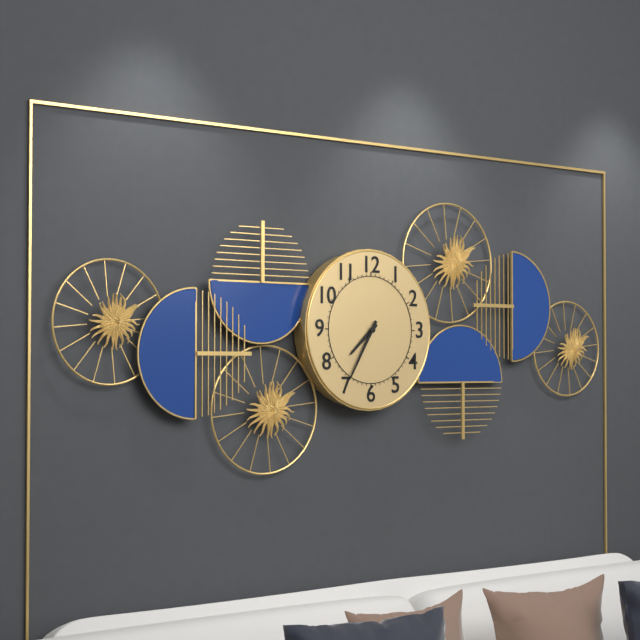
7:35
